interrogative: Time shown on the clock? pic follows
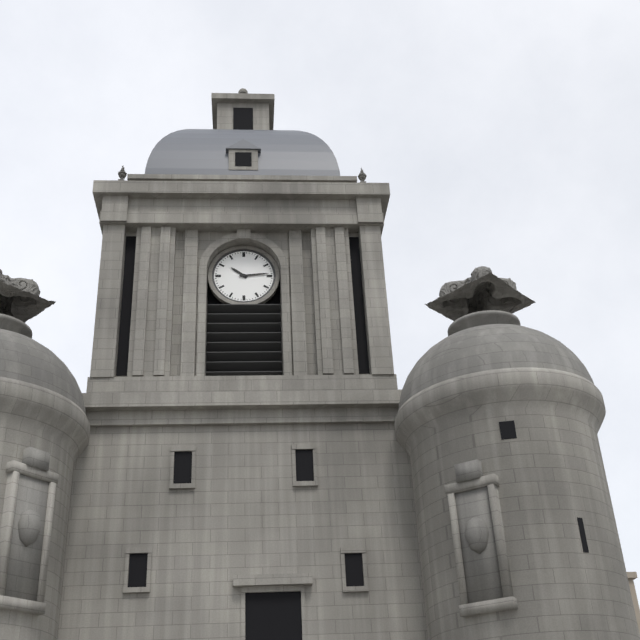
10:14
